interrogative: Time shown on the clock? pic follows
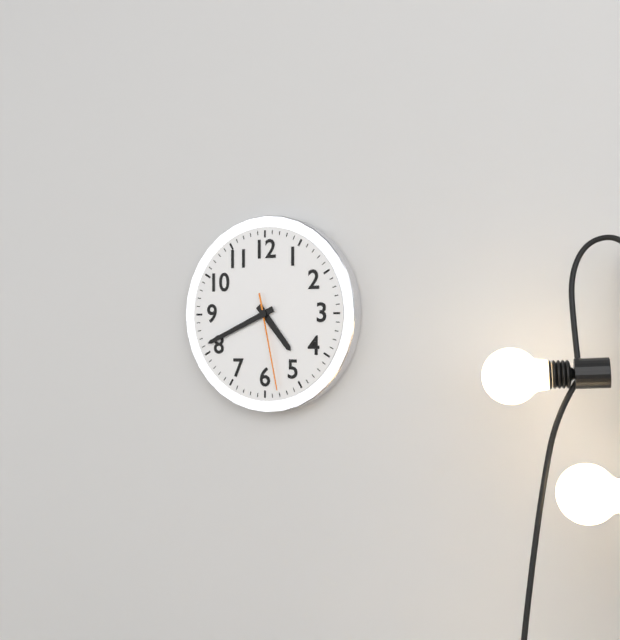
4:41:28
